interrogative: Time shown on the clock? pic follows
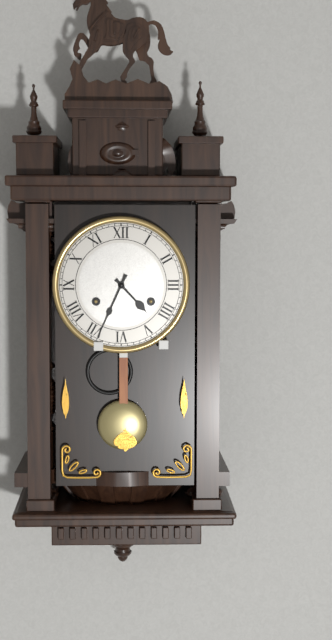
4:34
